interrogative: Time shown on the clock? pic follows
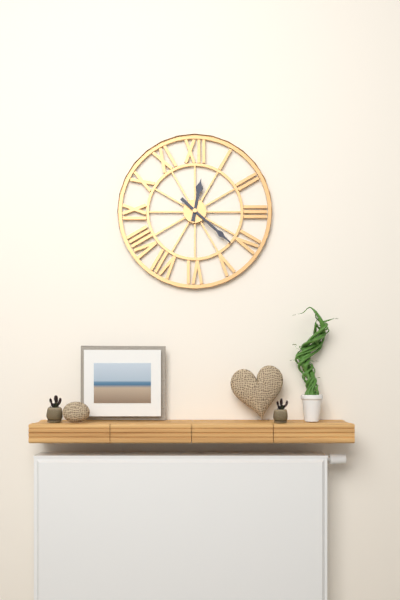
12:22
